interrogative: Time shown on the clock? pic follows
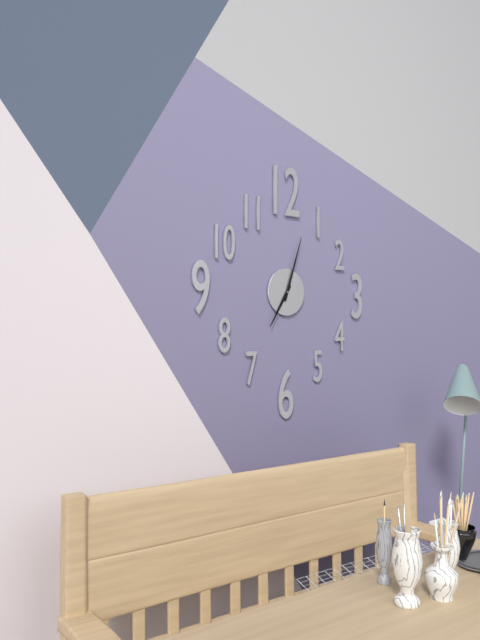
7:03
